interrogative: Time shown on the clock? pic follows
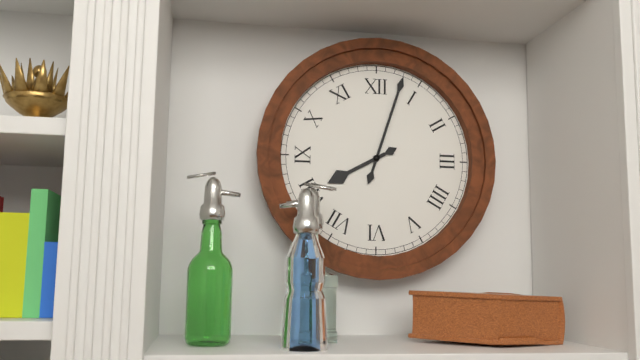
8:03
